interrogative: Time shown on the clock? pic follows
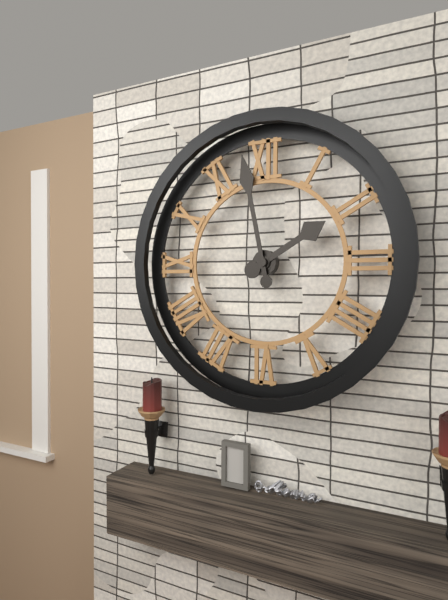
1:58
